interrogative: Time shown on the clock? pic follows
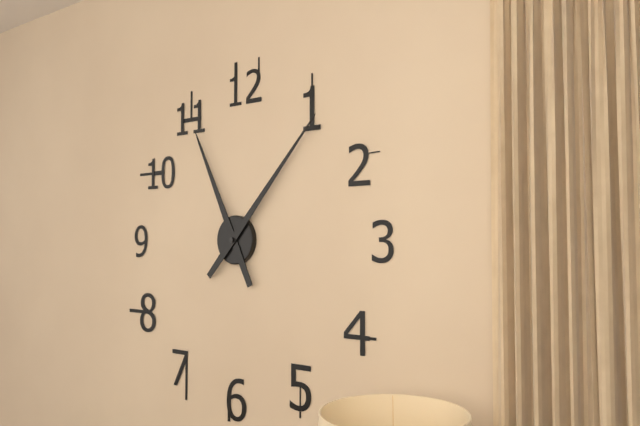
11:07
